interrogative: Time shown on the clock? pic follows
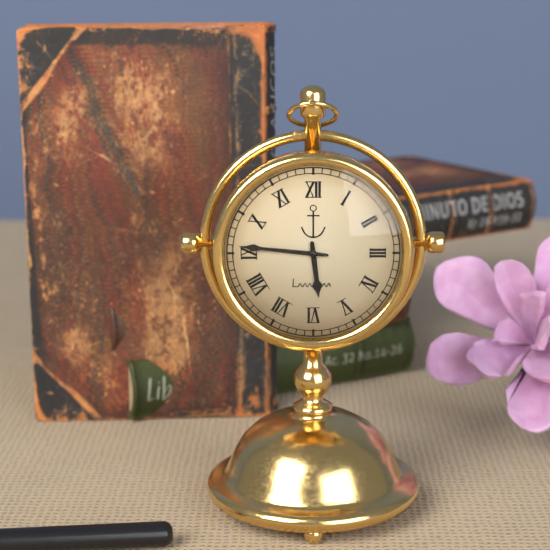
5:46
